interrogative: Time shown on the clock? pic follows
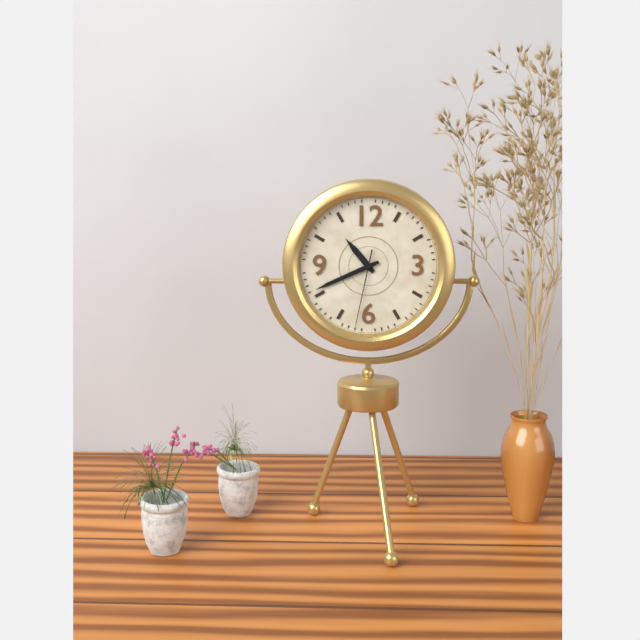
10:41:32
